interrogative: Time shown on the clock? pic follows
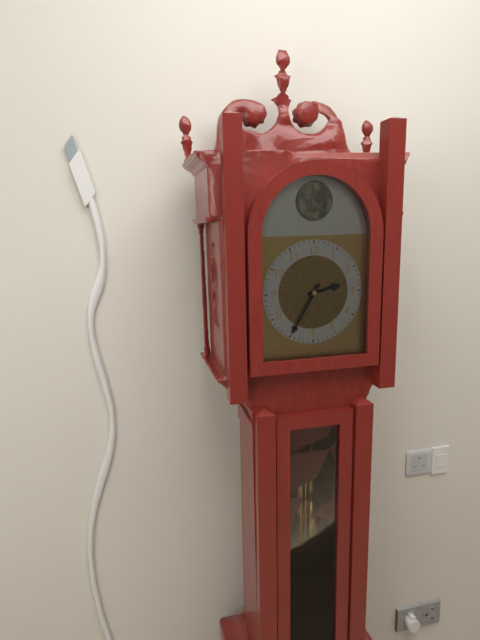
2:35
